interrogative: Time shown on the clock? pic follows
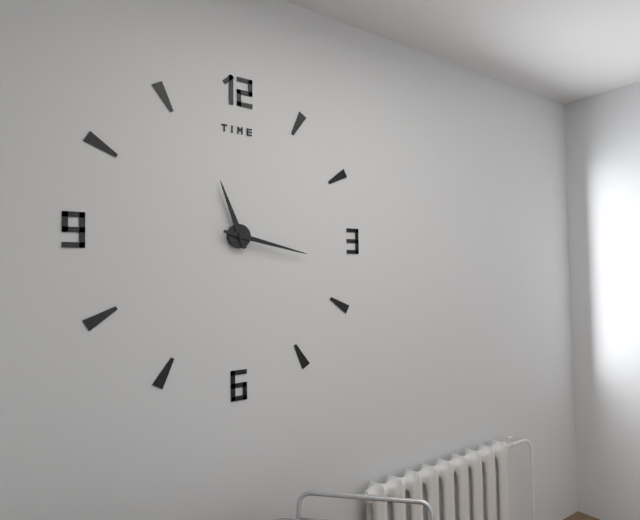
11:17
